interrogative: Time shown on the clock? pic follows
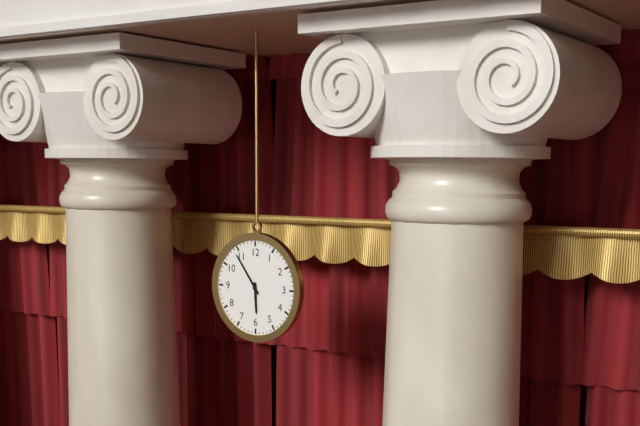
5:54
